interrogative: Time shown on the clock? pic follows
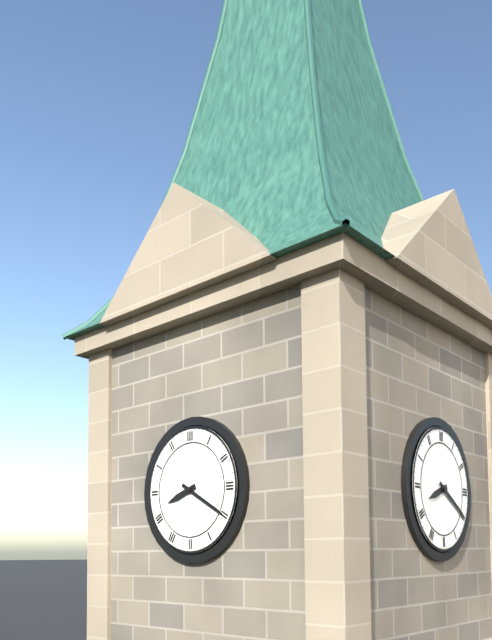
8:20
